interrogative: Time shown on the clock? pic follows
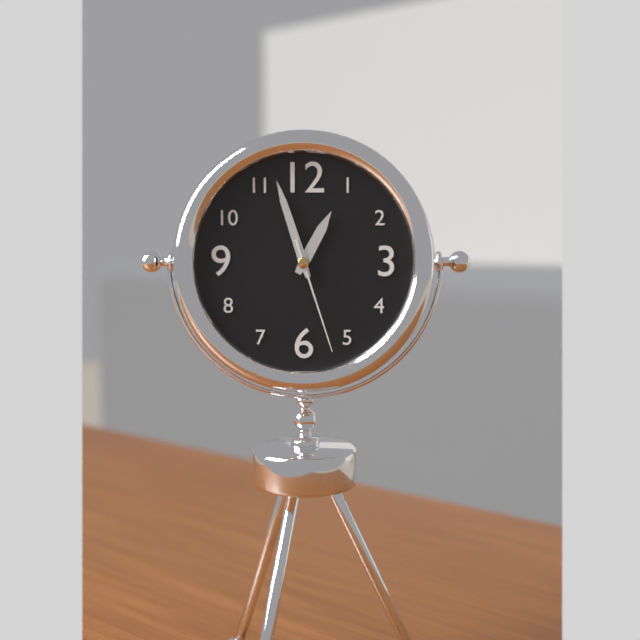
12:57:27
